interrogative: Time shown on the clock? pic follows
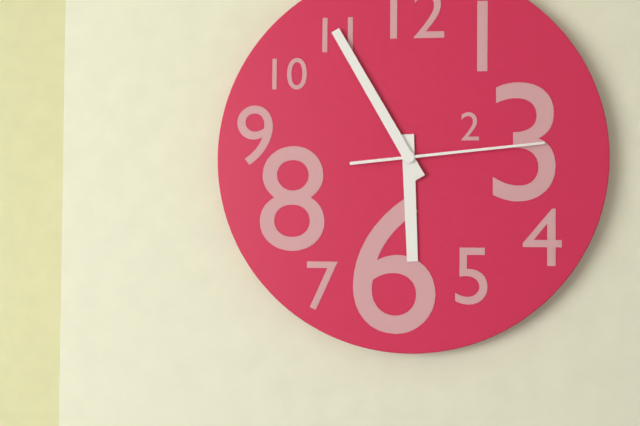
5:55:14
